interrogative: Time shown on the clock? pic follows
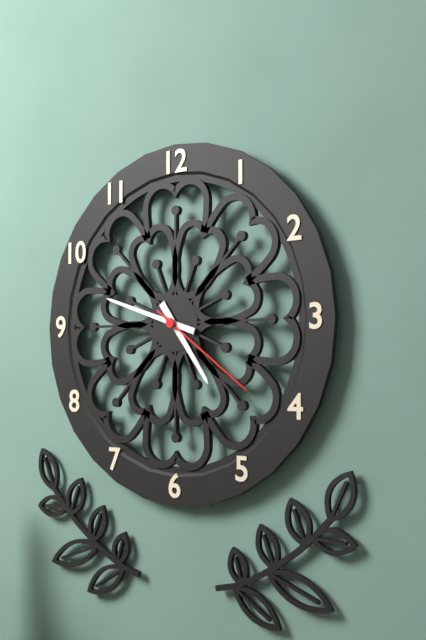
4:48:21
